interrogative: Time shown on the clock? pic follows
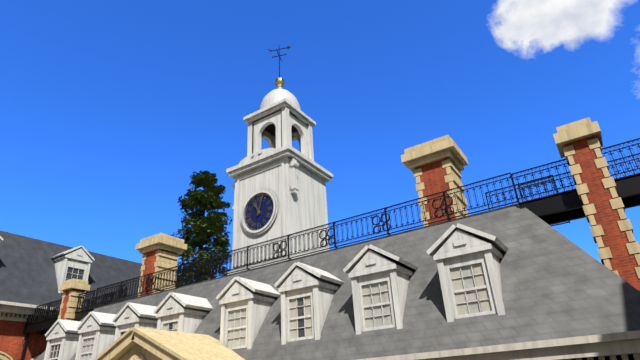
11:03
